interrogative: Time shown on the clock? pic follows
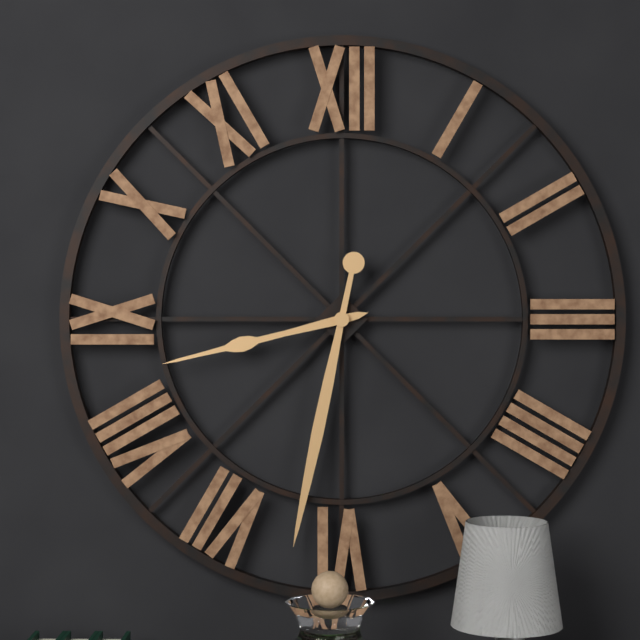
8:32
